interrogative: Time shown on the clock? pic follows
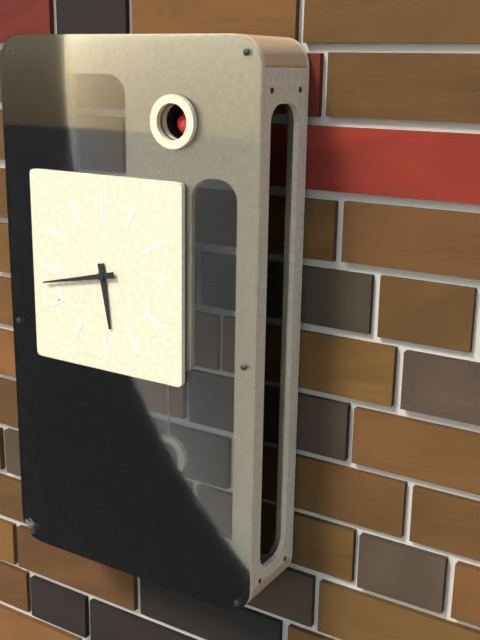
5:43
